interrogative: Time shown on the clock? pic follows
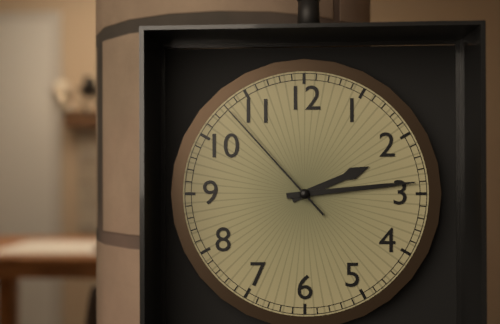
2:14:53
